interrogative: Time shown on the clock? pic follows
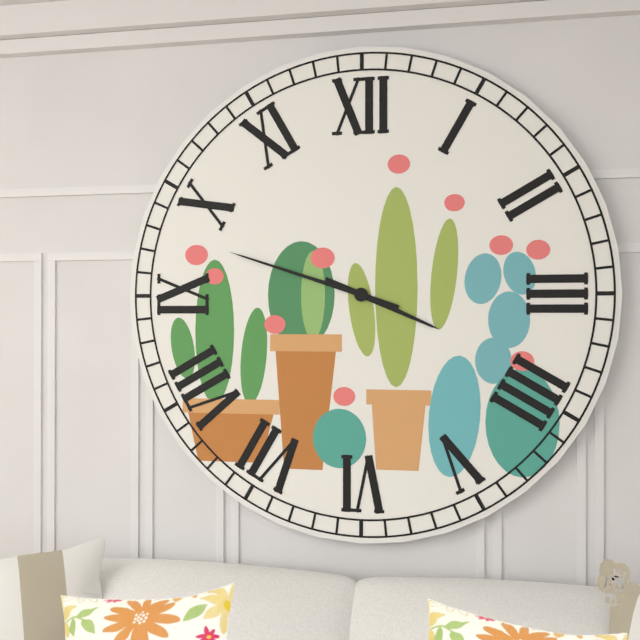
3:48
